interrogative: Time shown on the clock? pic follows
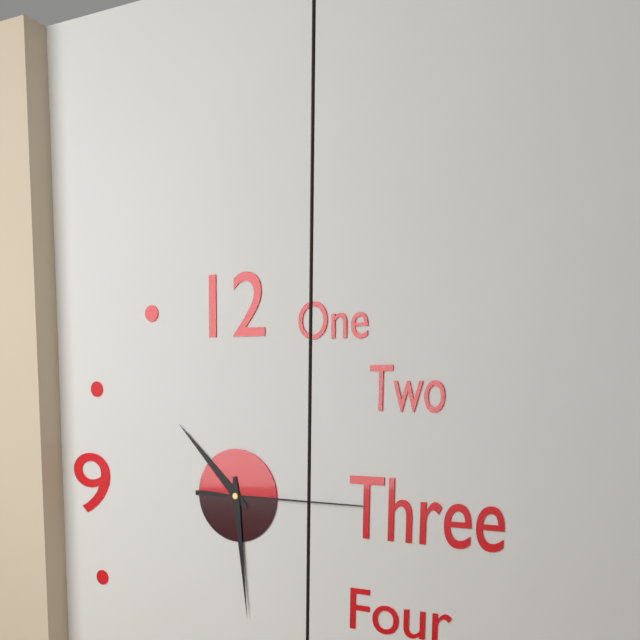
10:29:15
